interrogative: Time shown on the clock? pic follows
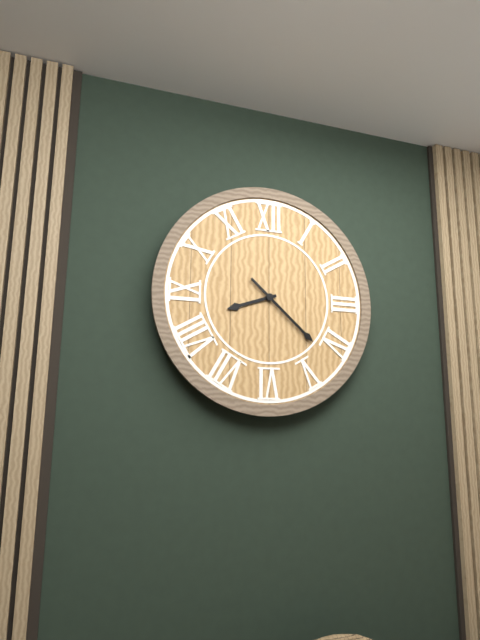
8:22
